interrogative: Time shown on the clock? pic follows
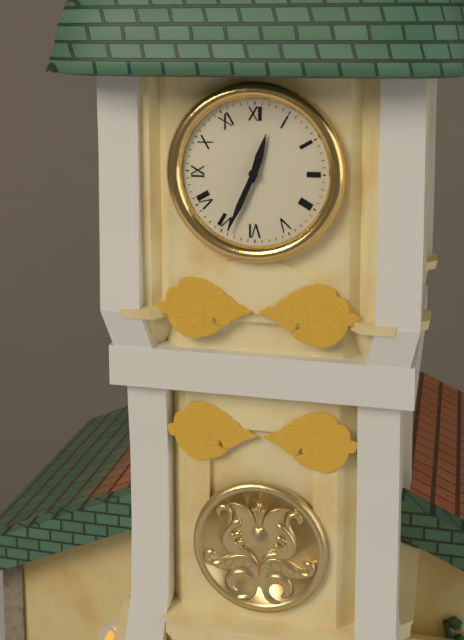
12:34
